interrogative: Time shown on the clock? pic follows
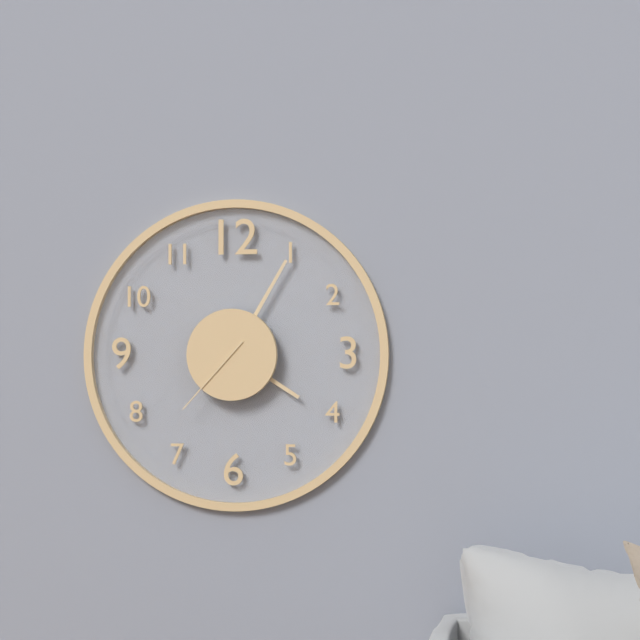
4:05:37
